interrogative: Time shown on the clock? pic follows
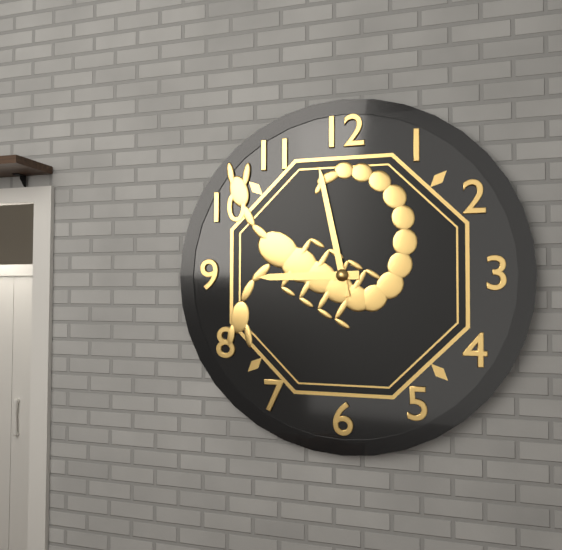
8:58
